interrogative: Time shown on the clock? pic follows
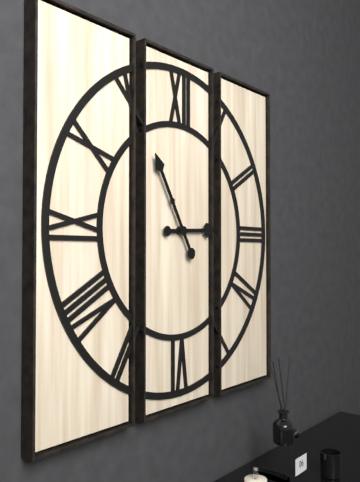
2:55
